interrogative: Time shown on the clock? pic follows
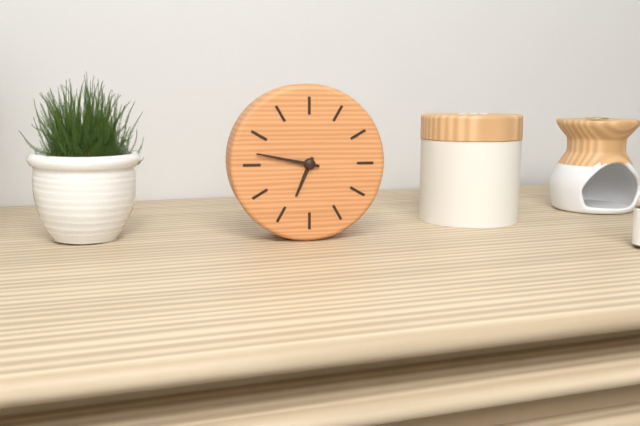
6:47
